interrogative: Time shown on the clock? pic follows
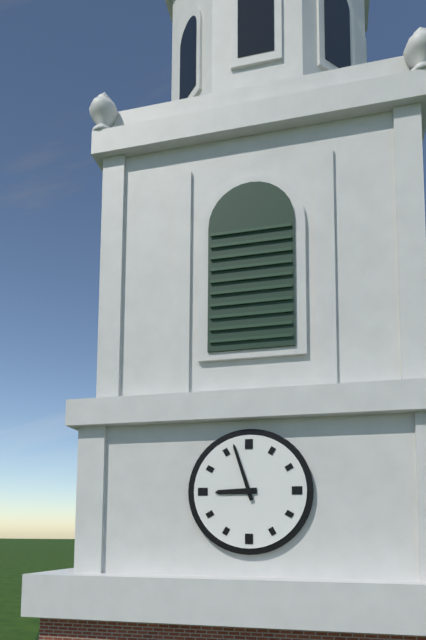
8:57
